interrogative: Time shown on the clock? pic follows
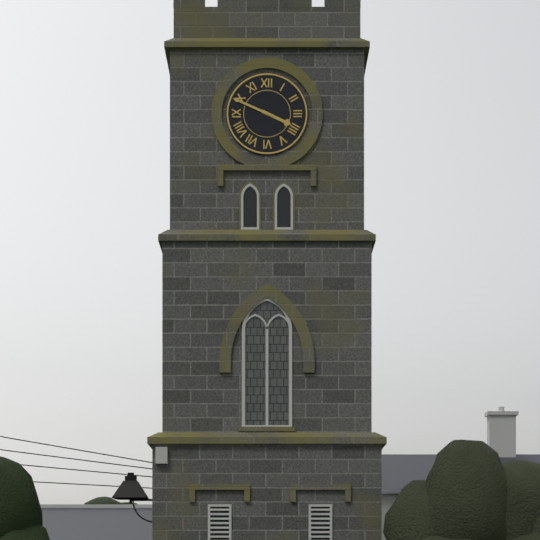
3:49
